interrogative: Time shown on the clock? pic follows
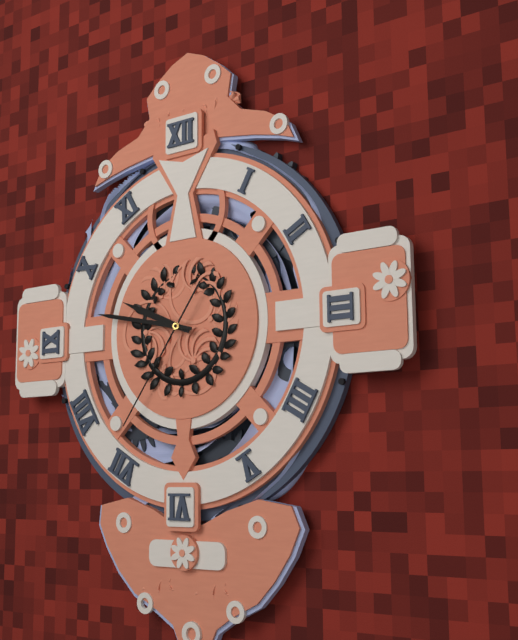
9:47:36
